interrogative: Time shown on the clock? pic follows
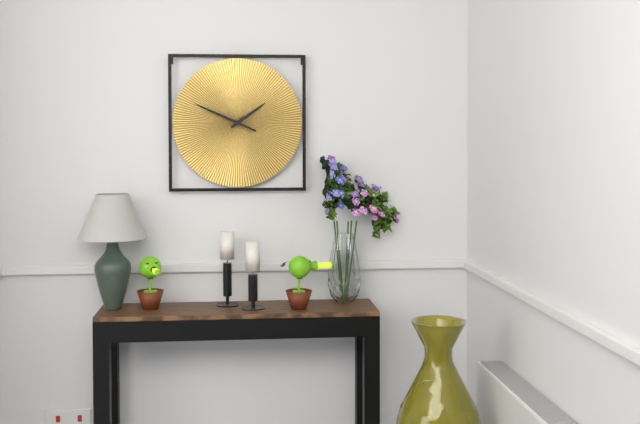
1:49
